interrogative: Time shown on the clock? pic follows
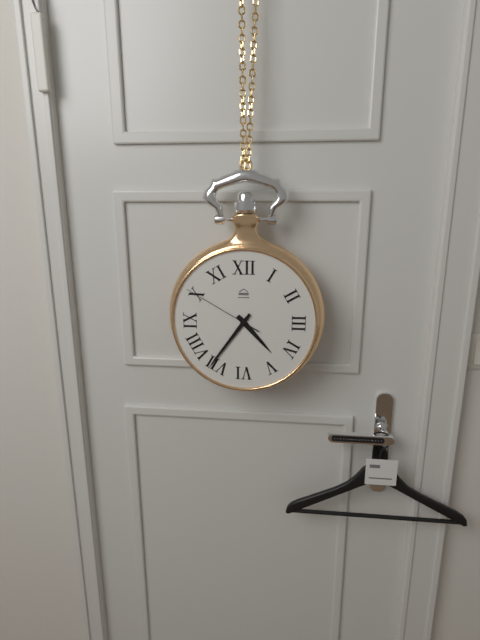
4:36:50
